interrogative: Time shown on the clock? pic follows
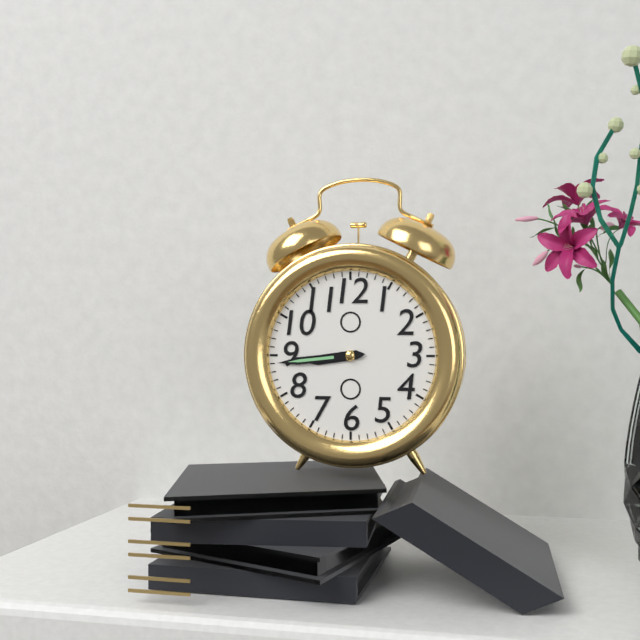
8:44
